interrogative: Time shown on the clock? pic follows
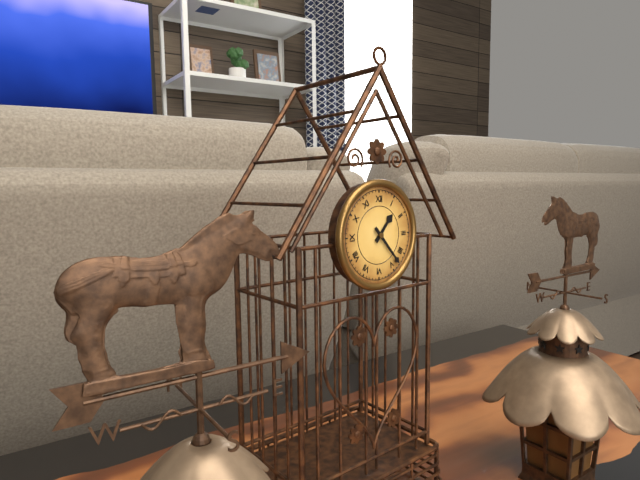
1:23
